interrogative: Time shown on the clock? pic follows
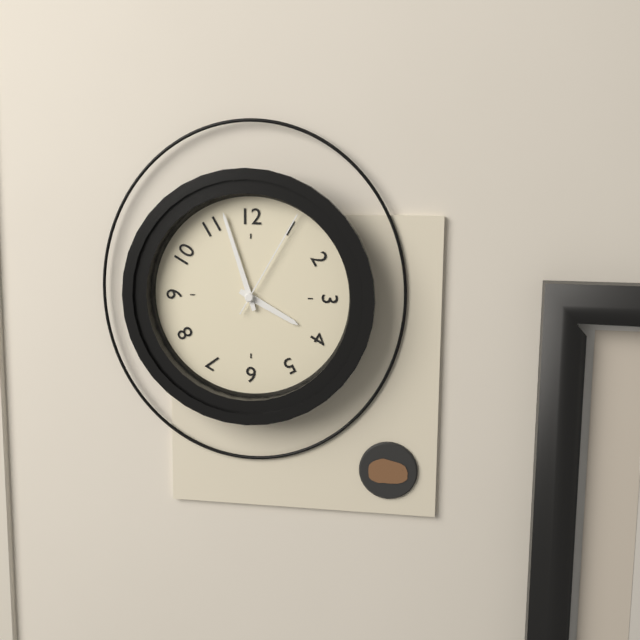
3:57:05
